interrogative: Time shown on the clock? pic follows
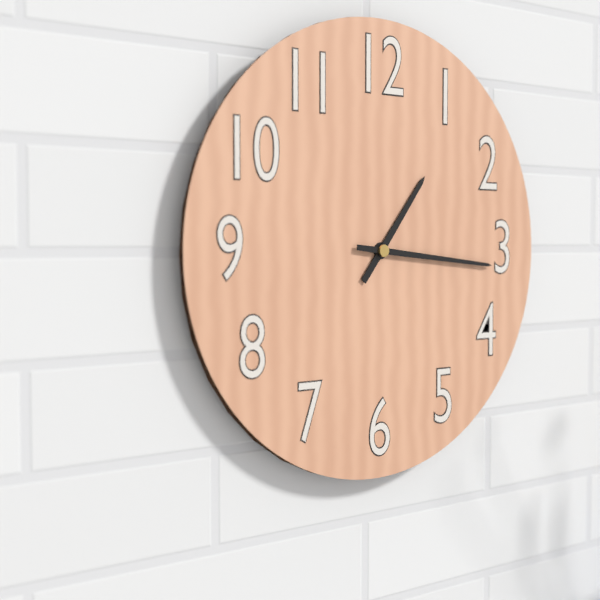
1:16
